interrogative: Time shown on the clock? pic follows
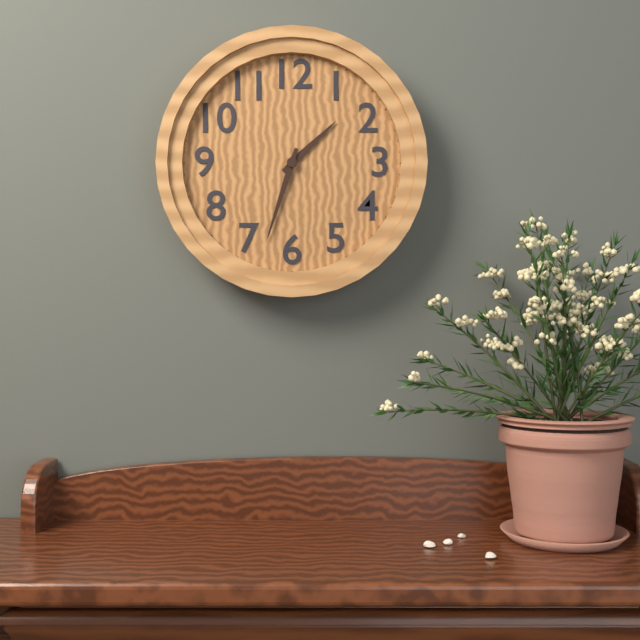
1:33
